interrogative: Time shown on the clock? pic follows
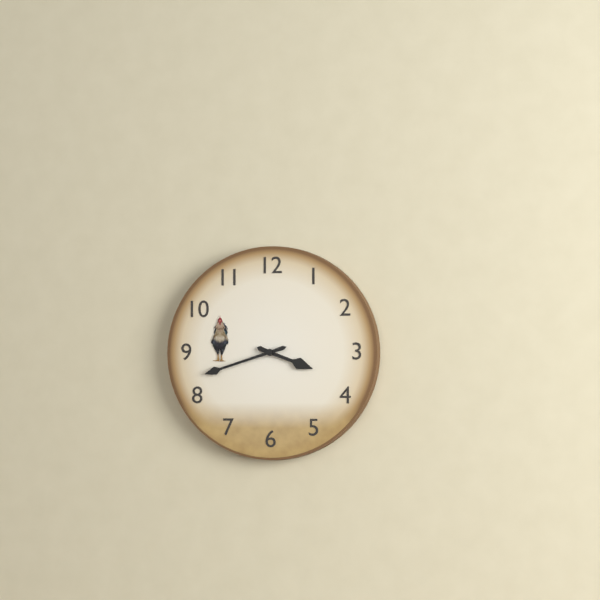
3:42
